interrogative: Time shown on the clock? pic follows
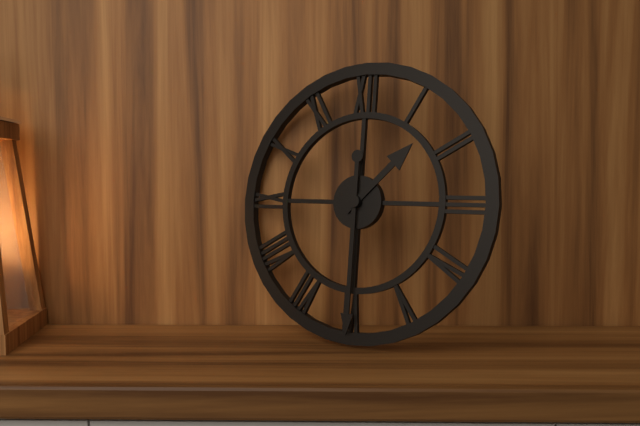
1:30
